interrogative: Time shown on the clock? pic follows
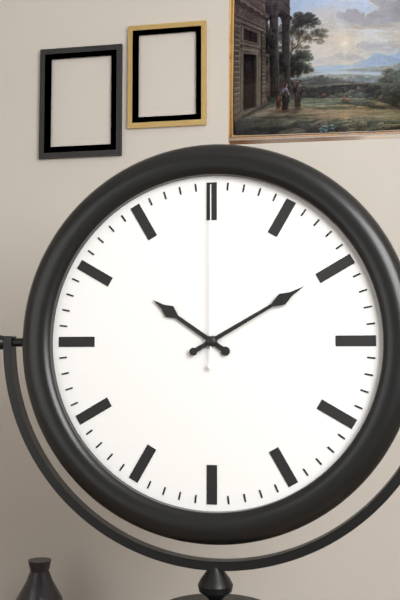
10:10:00
